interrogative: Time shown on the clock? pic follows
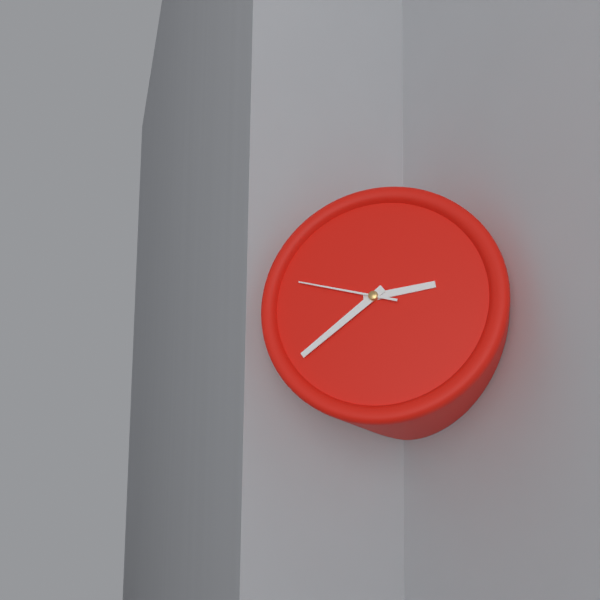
2:38:47
